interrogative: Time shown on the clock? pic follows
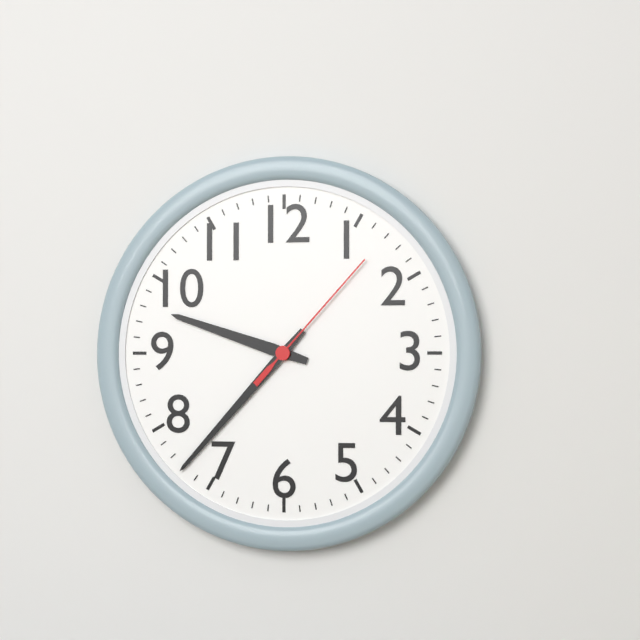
9:37:07
